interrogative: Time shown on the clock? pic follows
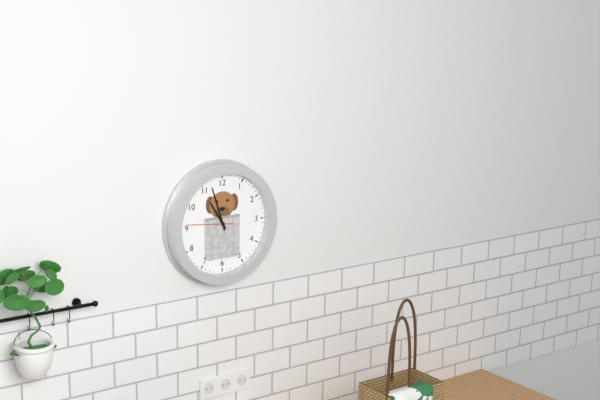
10:57
